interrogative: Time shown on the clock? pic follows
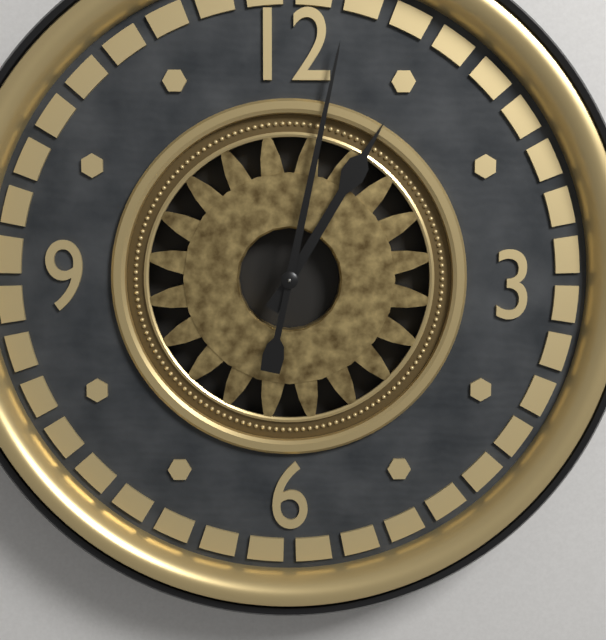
1:02
